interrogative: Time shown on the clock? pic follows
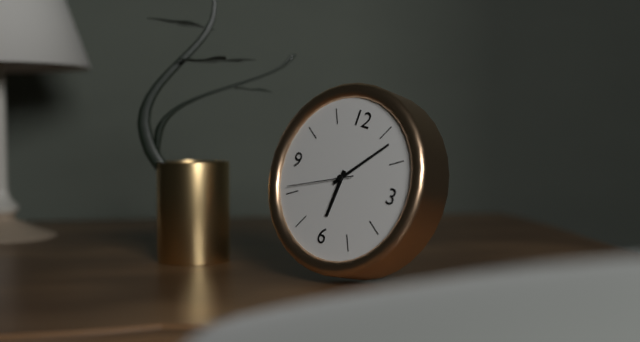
6:07:41
